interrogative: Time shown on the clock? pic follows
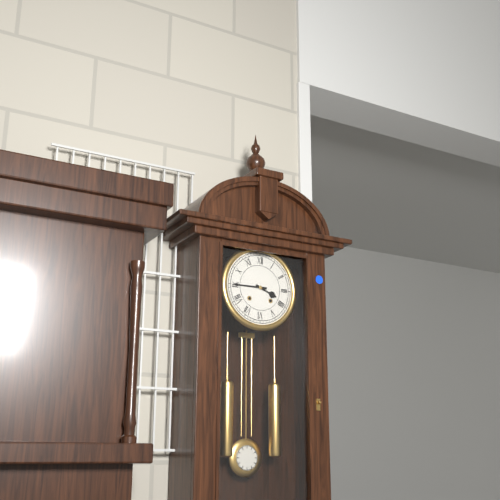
3:45
